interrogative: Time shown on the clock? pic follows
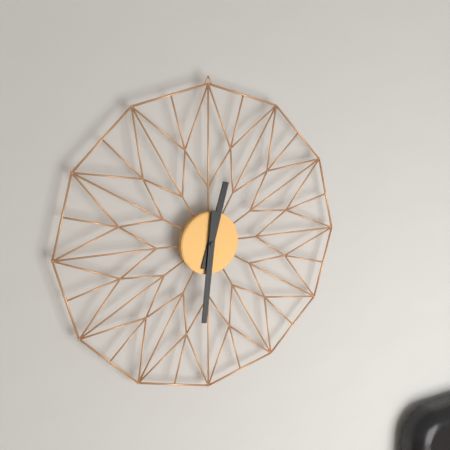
12:31
